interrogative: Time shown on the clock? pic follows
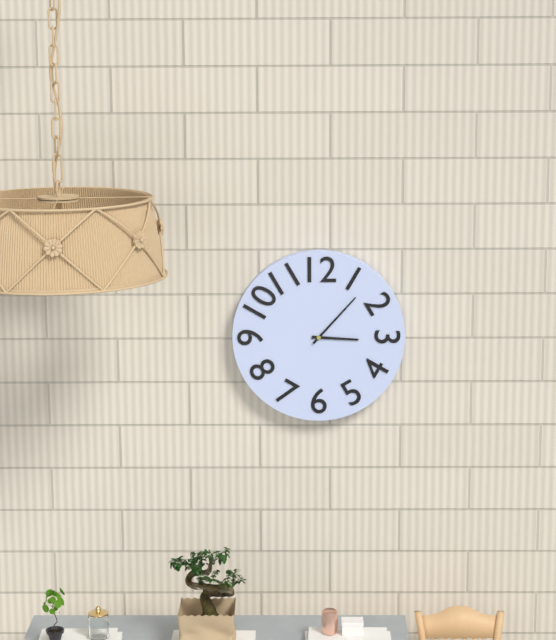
3:07
